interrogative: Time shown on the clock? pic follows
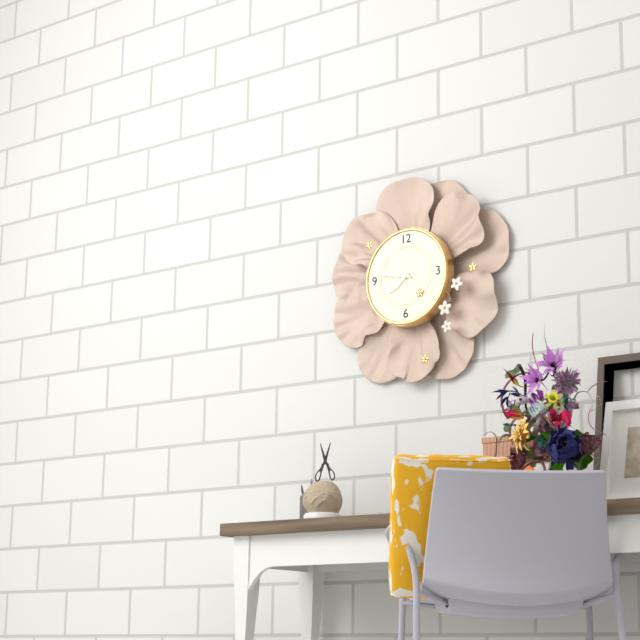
7:47
